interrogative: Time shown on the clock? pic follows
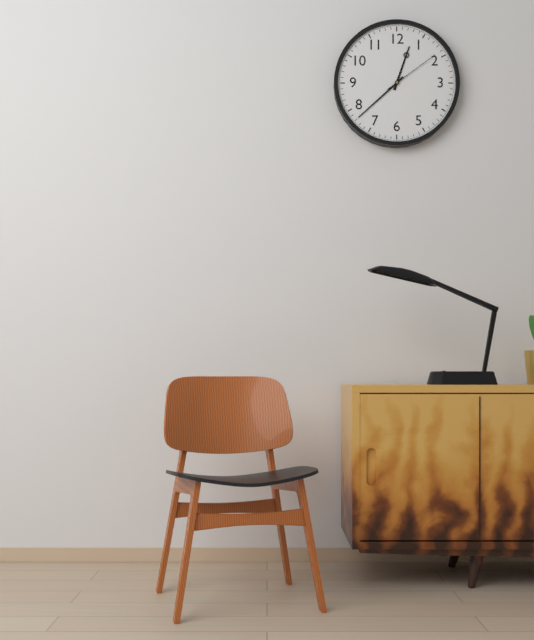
12:38:09
